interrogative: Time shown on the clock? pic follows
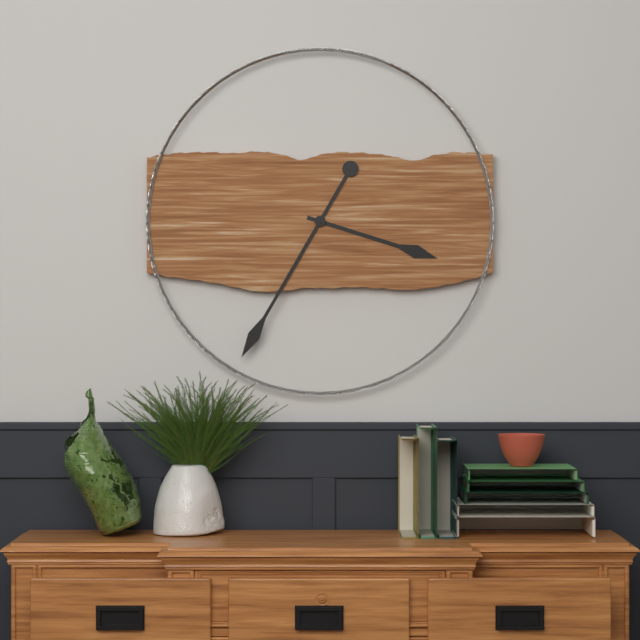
3:35
